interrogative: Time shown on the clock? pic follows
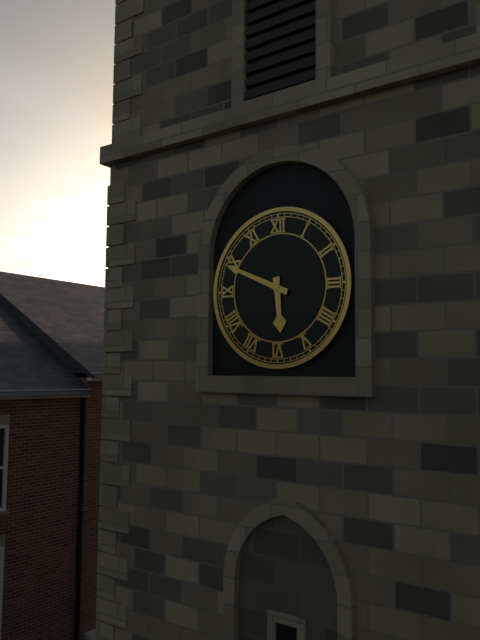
5:49
